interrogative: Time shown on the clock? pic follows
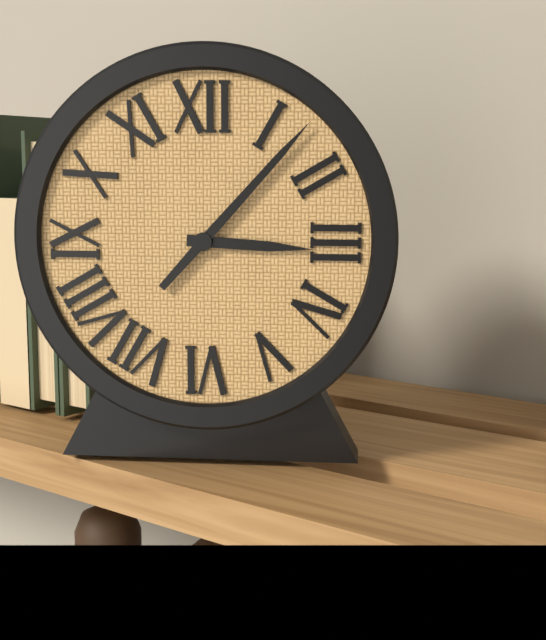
3:07
